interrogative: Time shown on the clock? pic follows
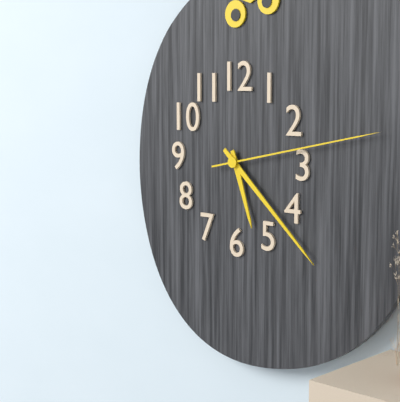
5:22:13
